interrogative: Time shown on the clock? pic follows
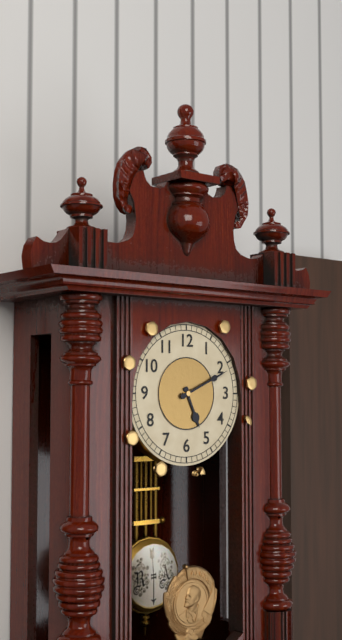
5:11
